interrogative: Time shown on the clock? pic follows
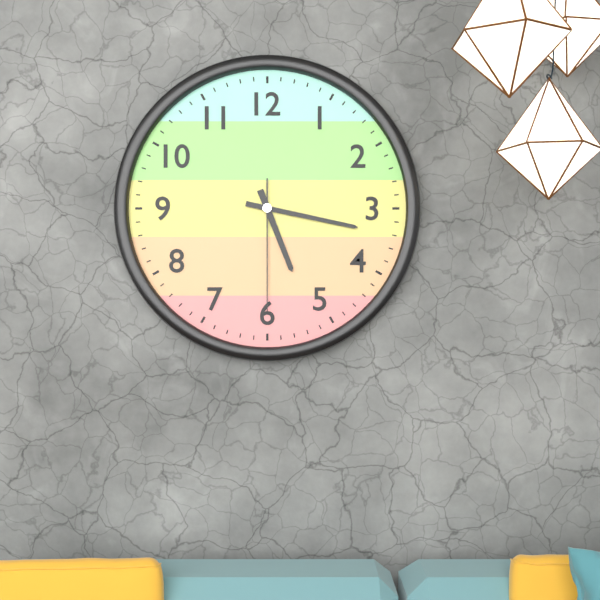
5:17:30
